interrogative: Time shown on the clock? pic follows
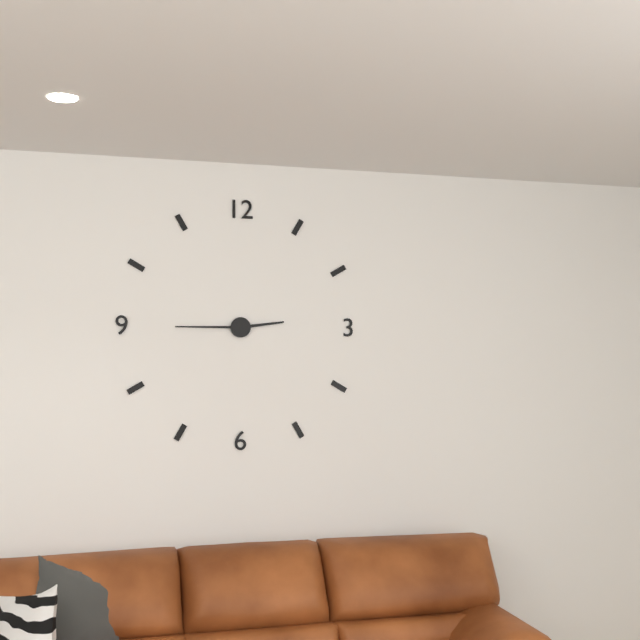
2:45
